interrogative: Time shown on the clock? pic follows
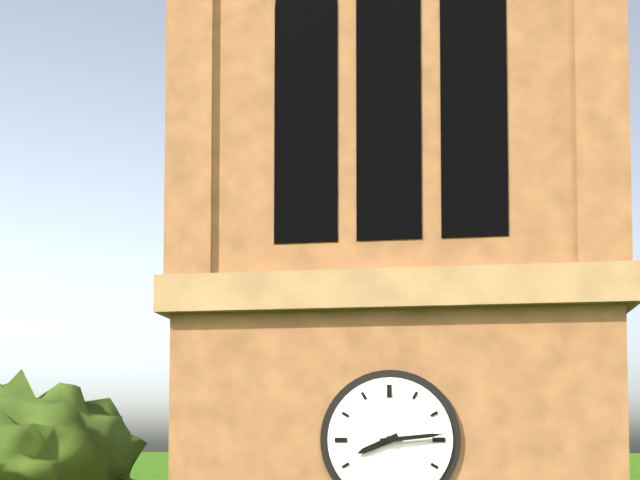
8:14
